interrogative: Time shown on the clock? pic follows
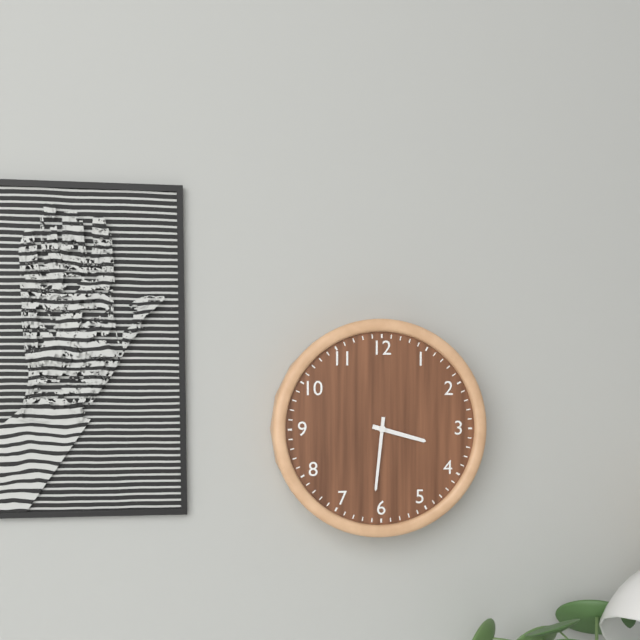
3:31
